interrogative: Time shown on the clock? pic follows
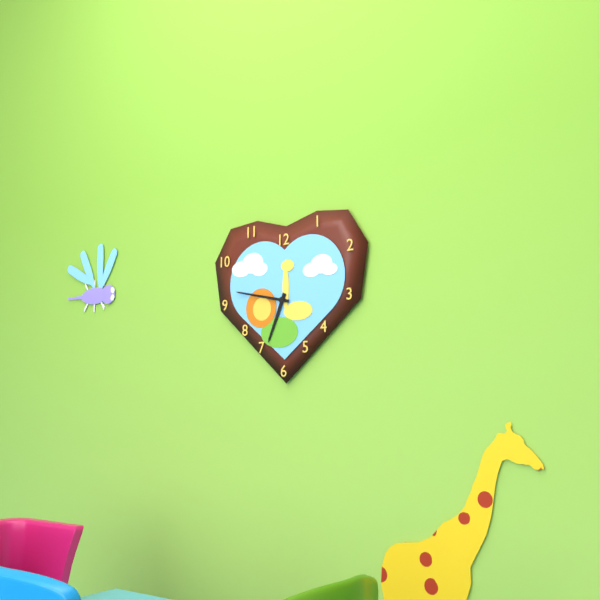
6:47
